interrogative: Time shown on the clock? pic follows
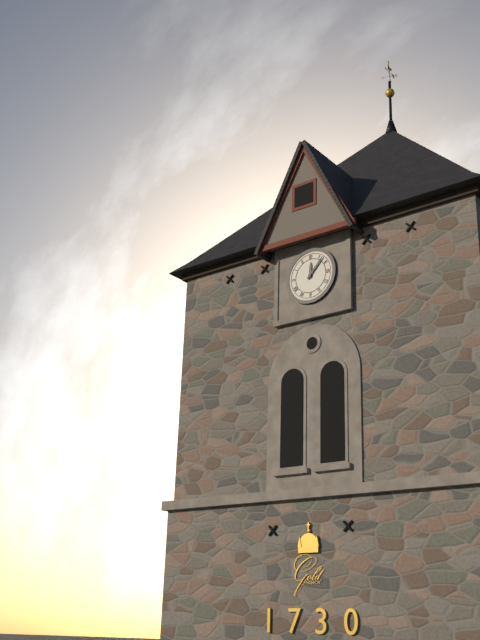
12:07
